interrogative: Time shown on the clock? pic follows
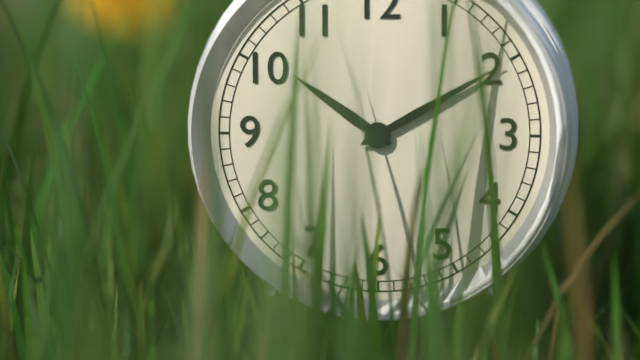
10:10
